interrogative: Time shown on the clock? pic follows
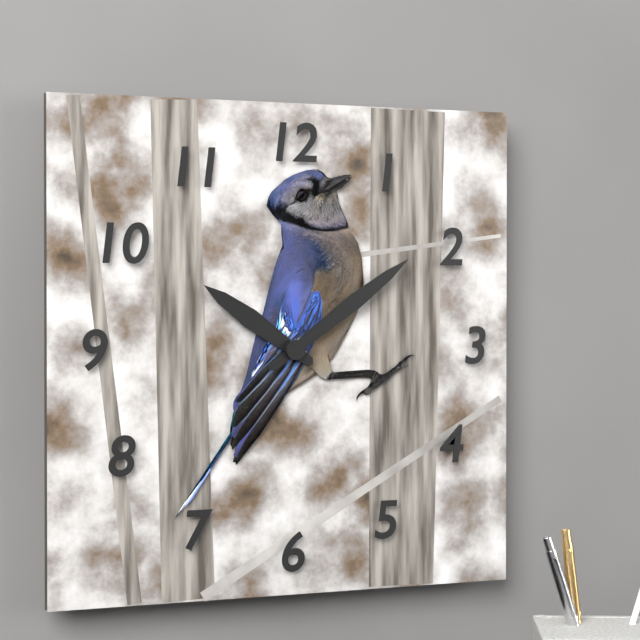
10:09
